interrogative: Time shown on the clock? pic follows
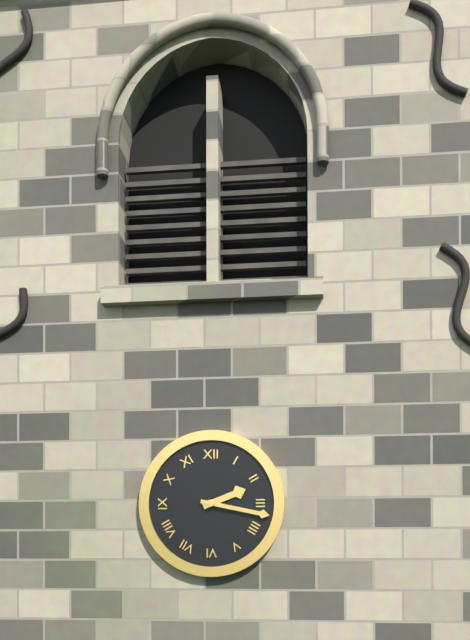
2:17
